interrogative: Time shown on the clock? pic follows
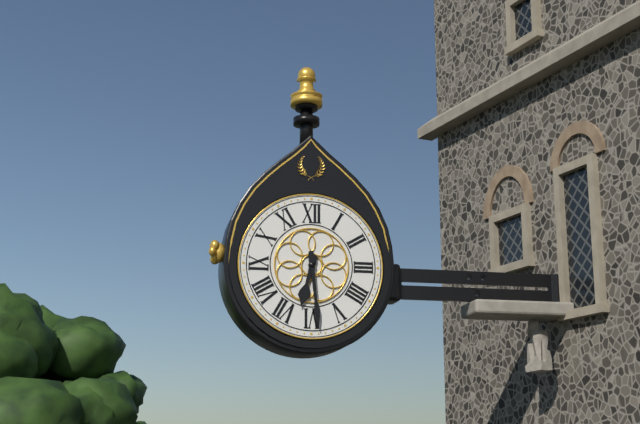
6:29
